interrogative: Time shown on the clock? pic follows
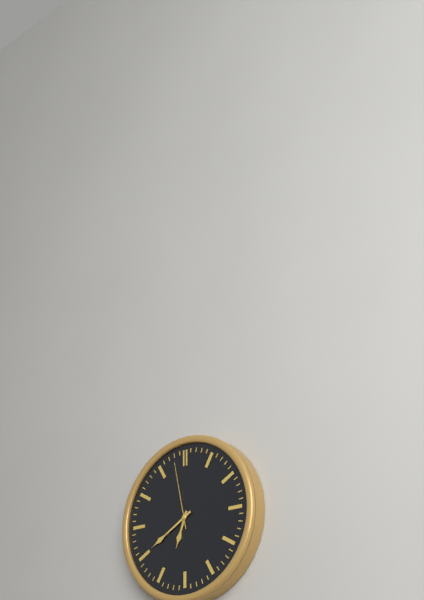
6:40:58
